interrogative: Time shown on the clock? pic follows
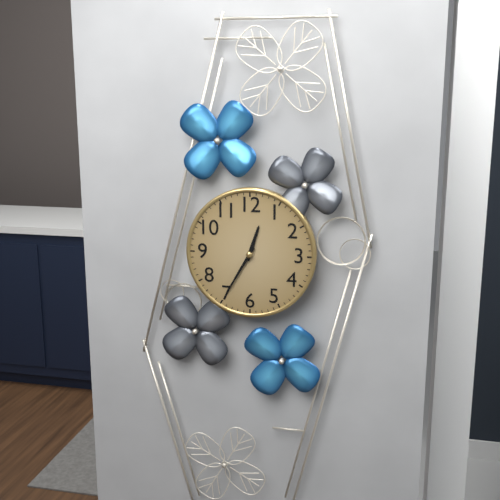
12:35
